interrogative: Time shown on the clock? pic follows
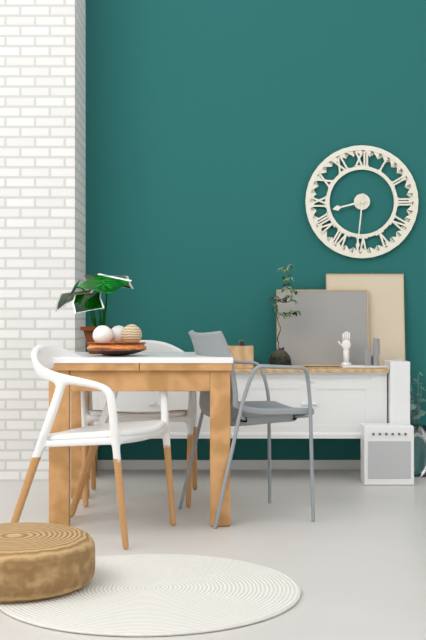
8:31
